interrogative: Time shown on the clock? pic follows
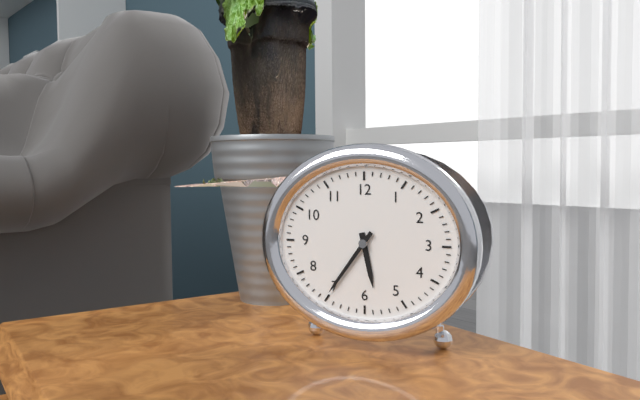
5:36
